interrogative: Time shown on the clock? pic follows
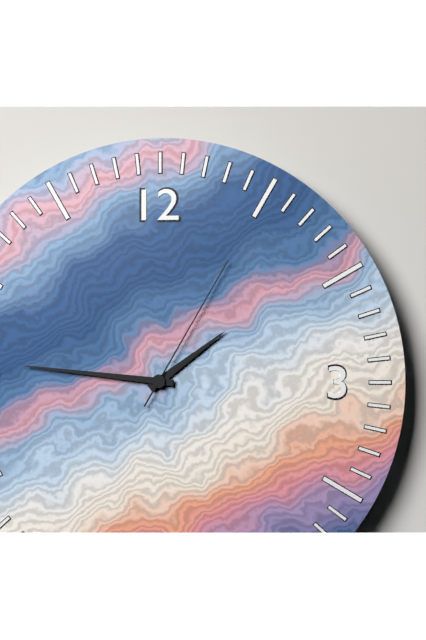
1:46:05
